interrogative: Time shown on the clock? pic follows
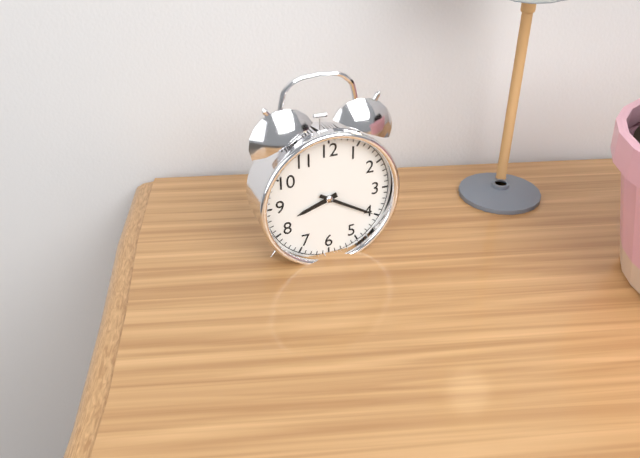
8:20
